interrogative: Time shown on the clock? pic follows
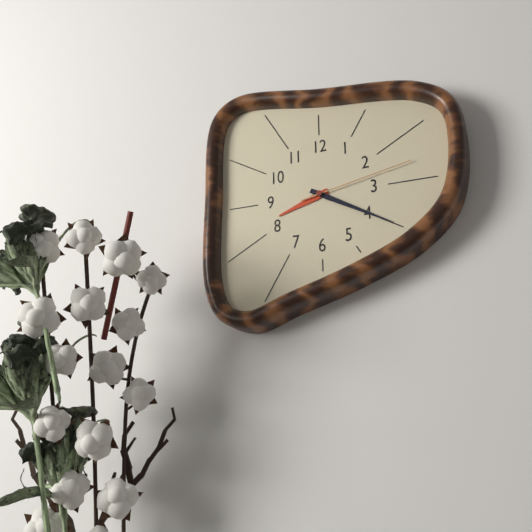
8:20:13
